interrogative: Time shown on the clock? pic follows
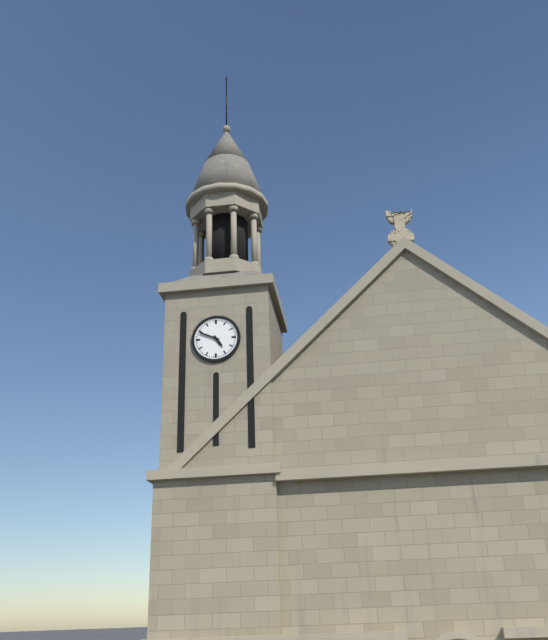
4:49
